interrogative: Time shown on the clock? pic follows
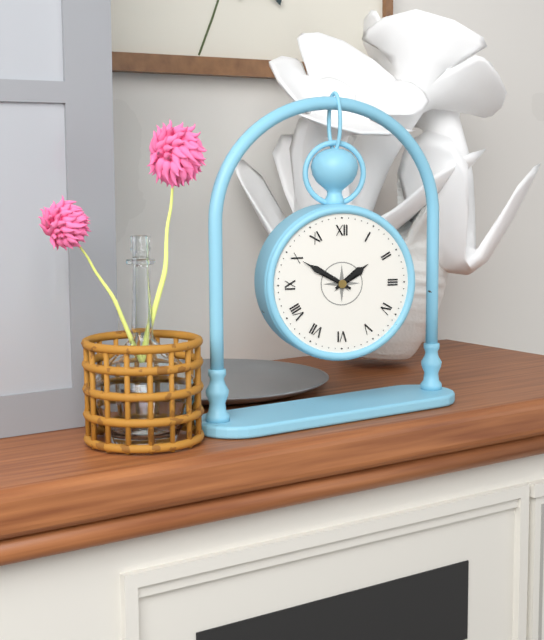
1:50
